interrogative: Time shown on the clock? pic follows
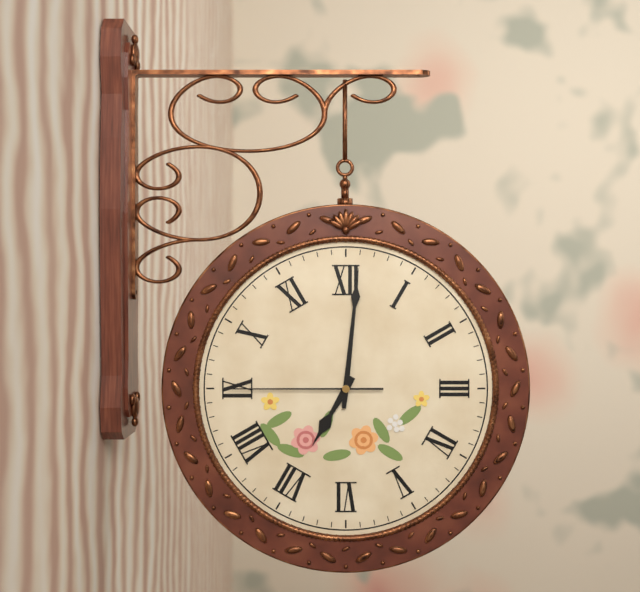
7:01:45
